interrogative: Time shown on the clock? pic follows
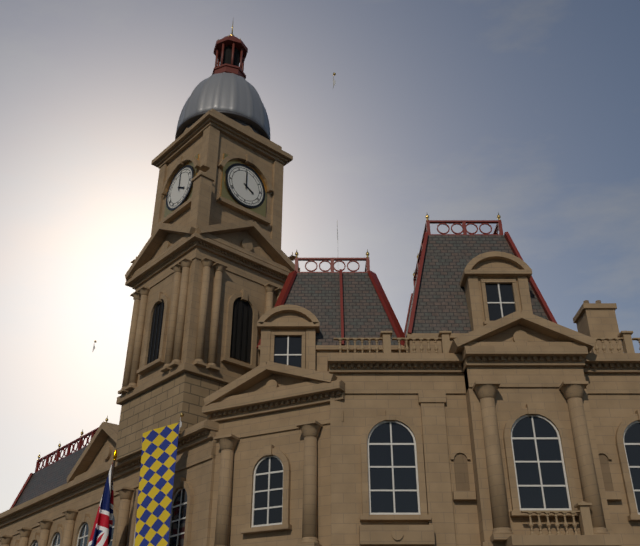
4:00
